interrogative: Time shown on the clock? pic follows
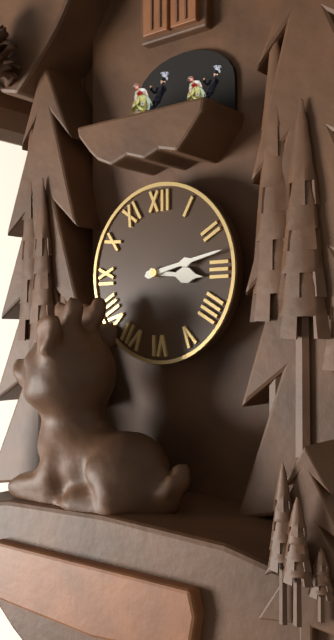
3:13
